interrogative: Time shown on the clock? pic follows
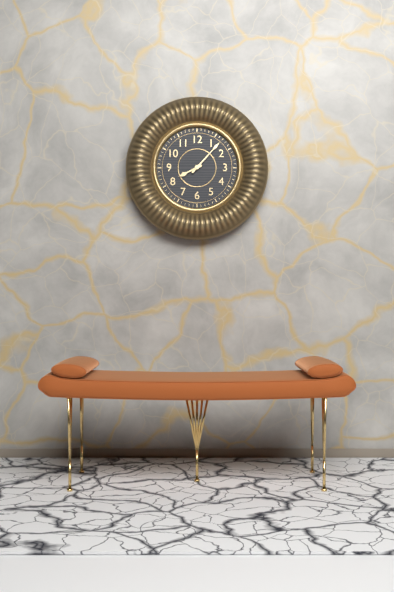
8:07
